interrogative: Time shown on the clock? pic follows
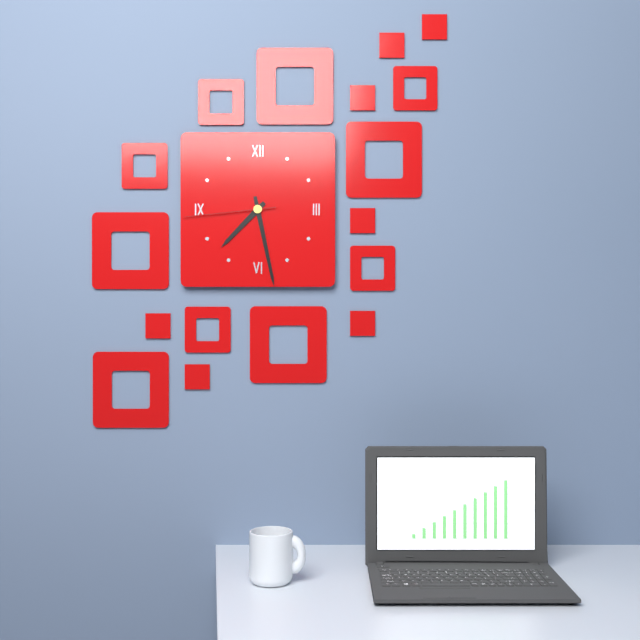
7:28:44
